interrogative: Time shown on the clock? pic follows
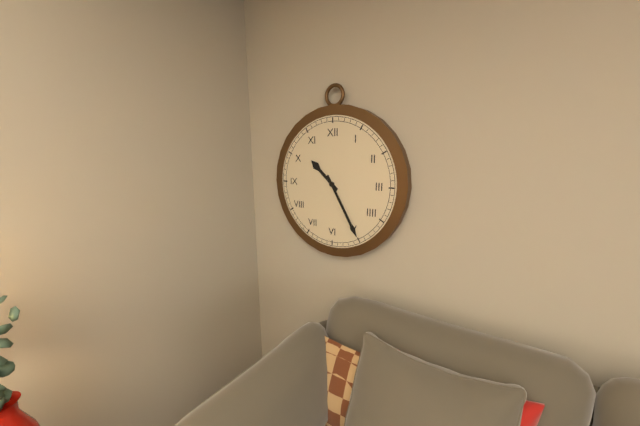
10:25
